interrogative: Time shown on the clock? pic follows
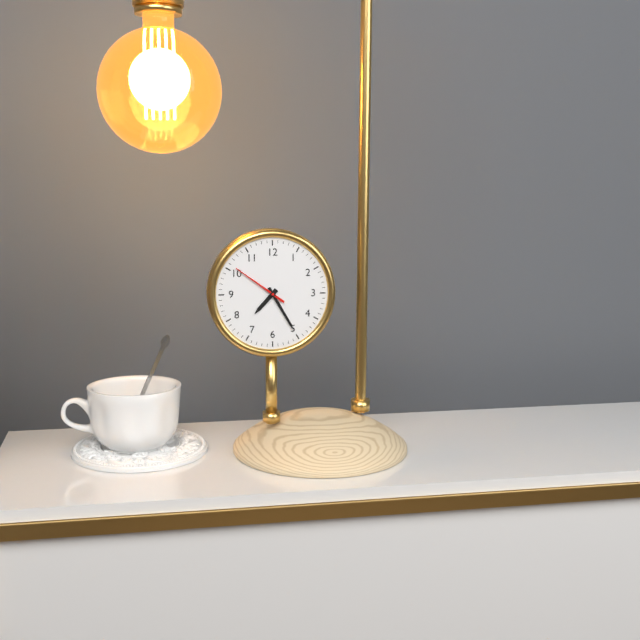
7:25:51
